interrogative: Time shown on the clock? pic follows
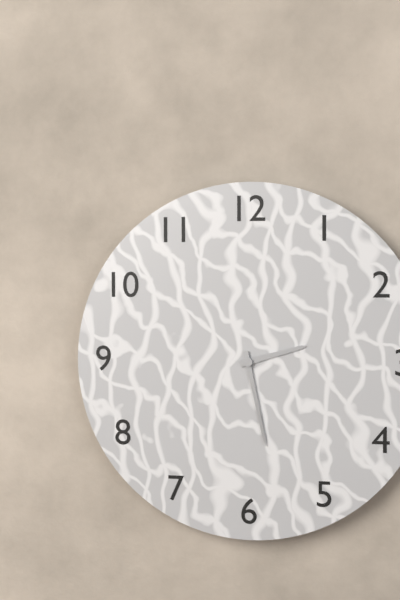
2:28
